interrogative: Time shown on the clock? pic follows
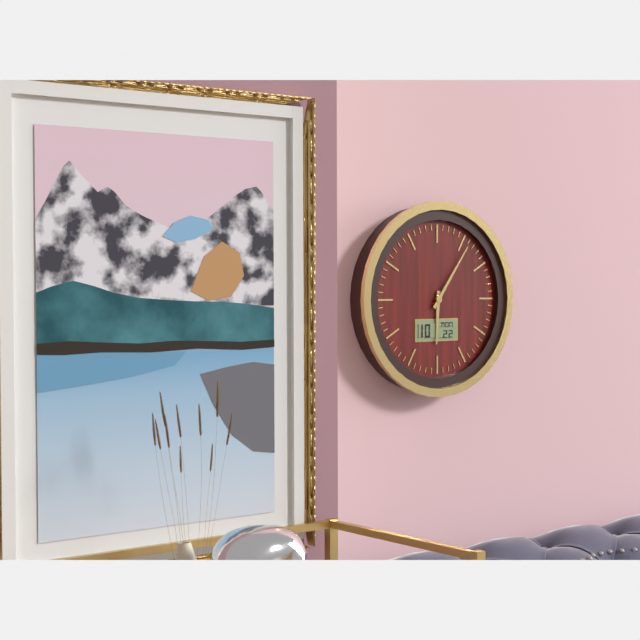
6:06
